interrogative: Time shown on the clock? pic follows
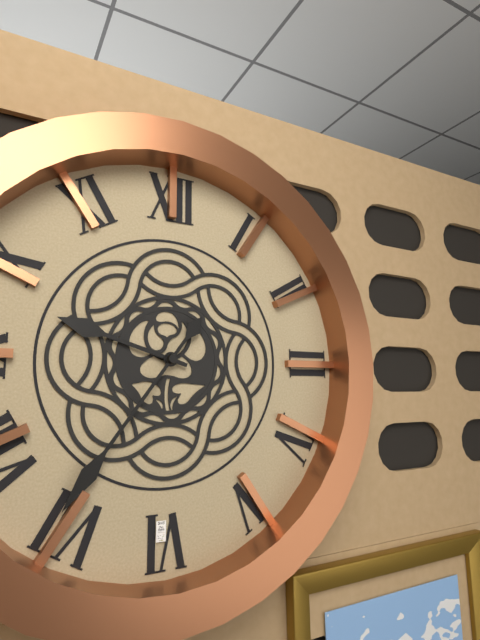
9:36
